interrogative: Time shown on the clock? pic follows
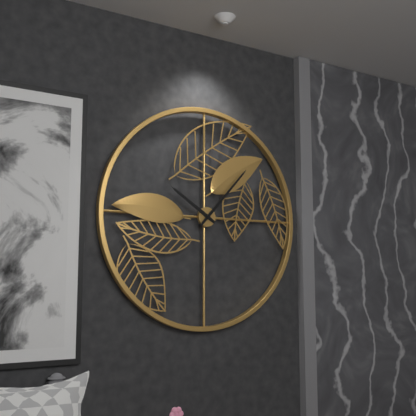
10:07
